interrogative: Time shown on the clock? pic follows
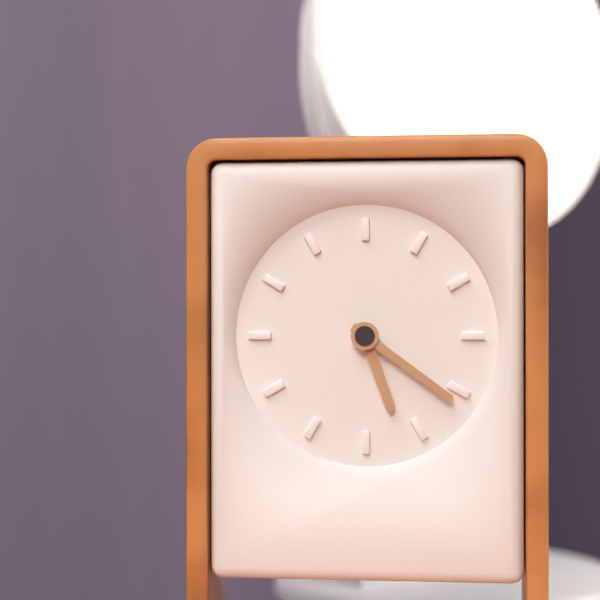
5:21
